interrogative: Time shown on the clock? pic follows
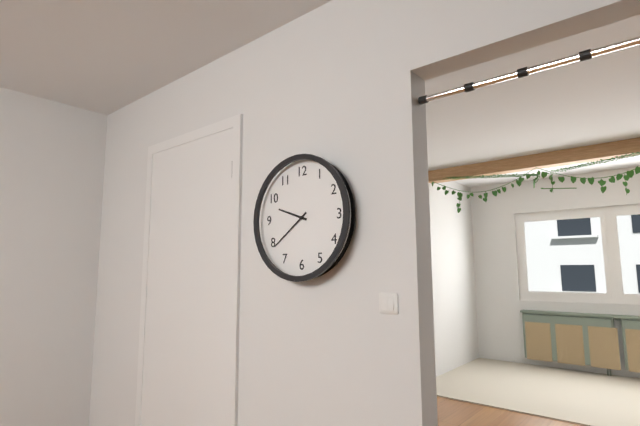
9:39
